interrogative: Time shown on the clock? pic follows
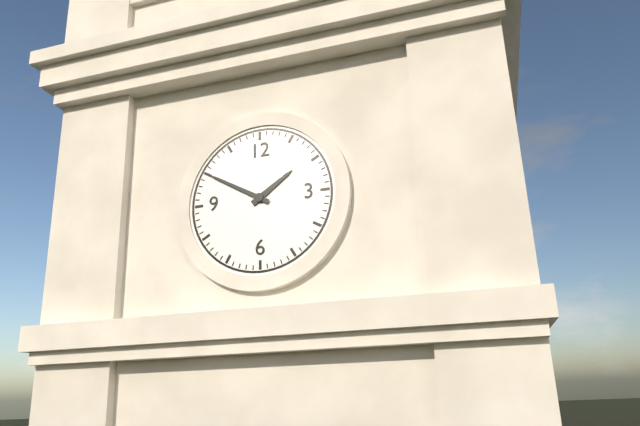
1:50
